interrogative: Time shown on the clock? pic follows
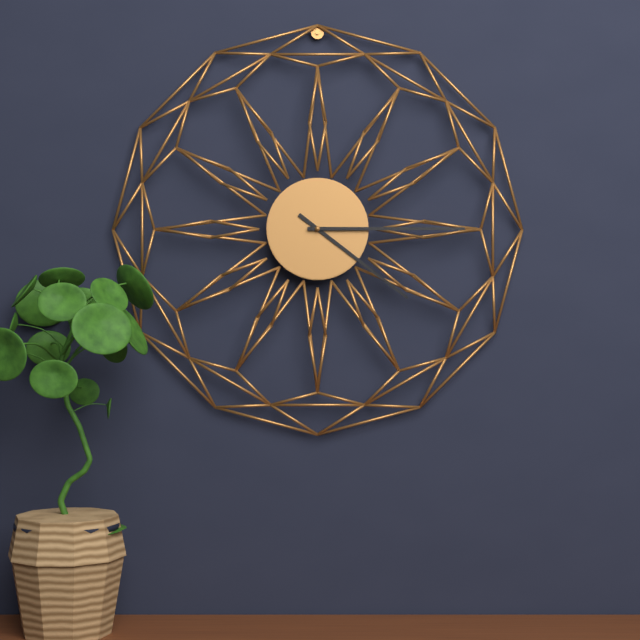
4:15
